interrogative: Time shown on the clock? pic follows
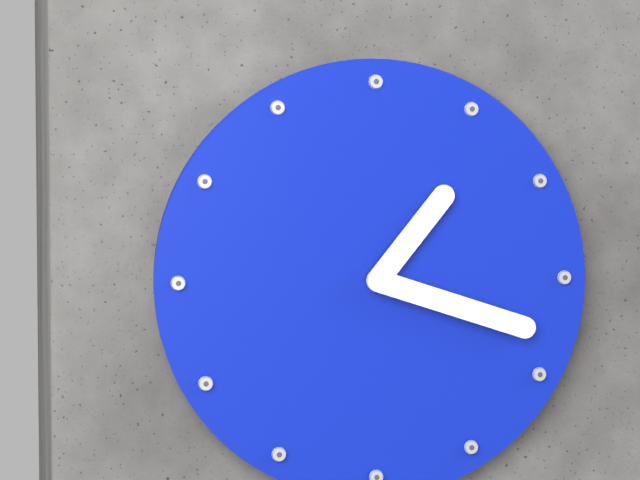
1:18
